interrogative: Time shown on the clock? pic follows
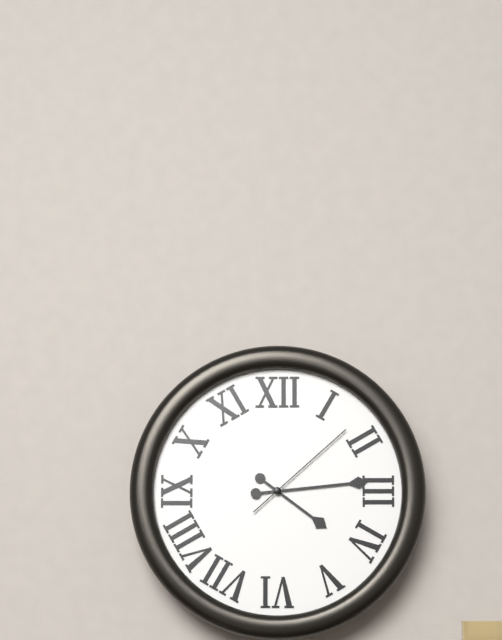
4:14:08
